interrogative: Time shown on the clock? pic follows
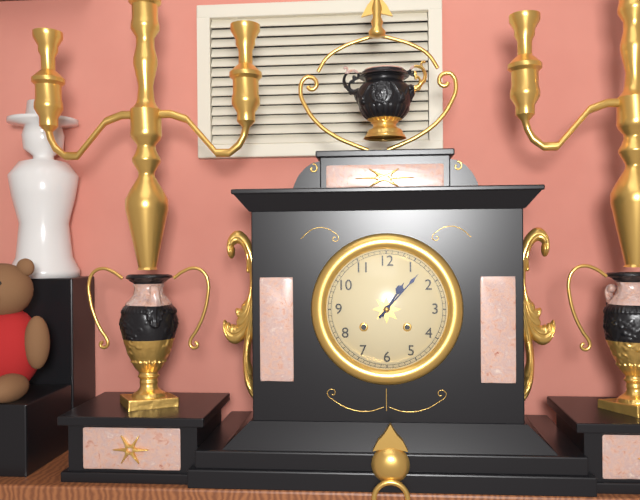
1:07
